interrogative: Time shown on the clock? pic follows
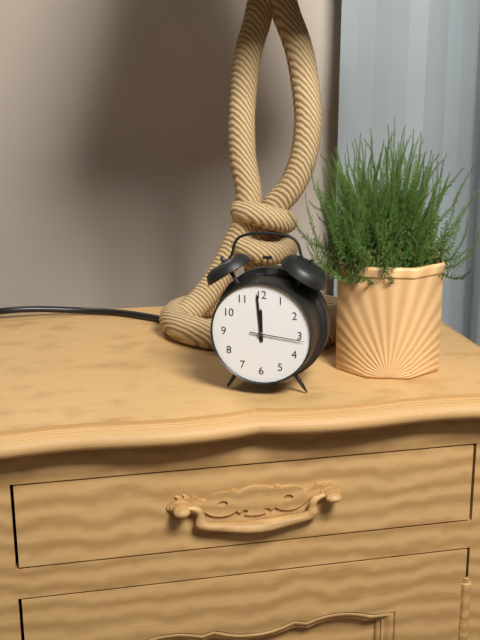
11:59:16
